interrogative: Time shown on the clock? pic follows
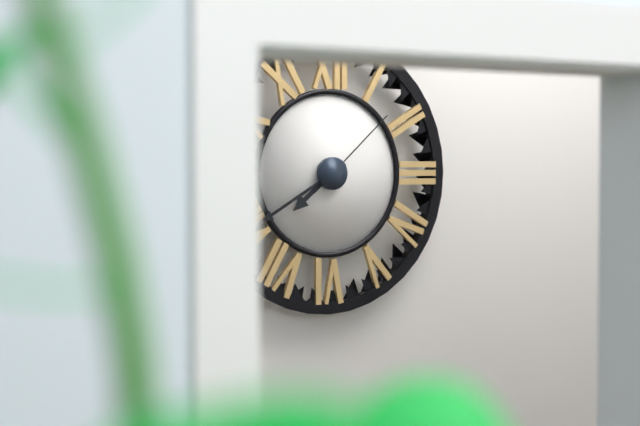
7:40:08
